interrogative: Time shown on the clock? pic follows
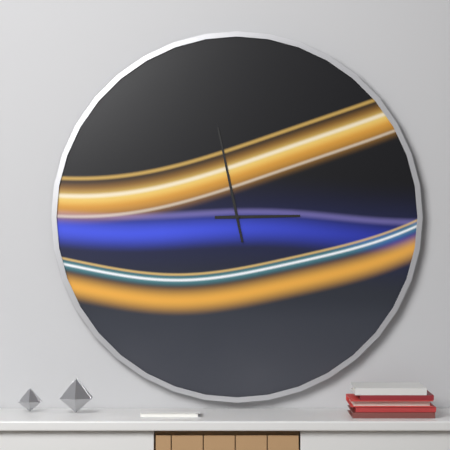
2:58
